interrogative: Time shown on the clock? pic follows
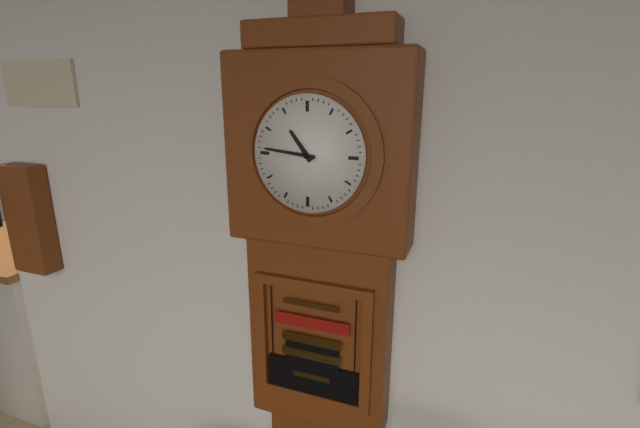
10:46
